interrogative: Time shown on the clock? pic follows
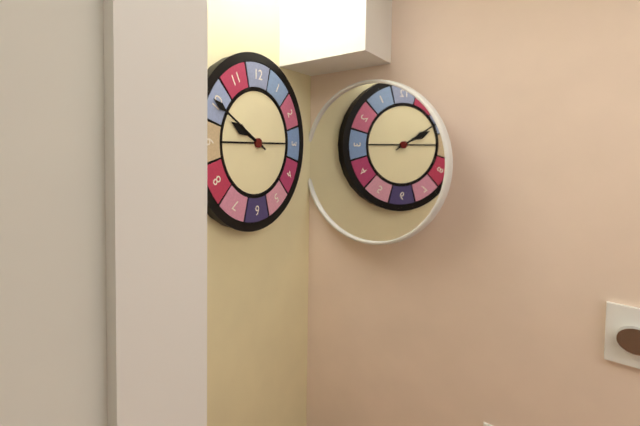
9:50
